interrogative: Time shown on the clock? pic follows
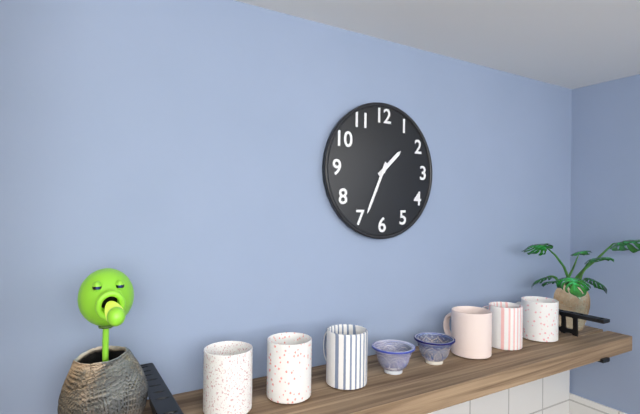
1:34
